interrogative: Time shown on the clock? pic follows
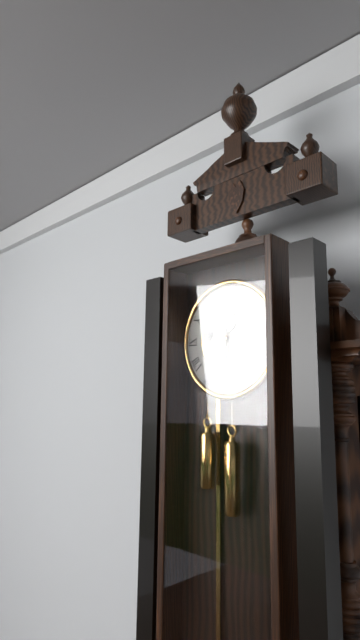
9:30
